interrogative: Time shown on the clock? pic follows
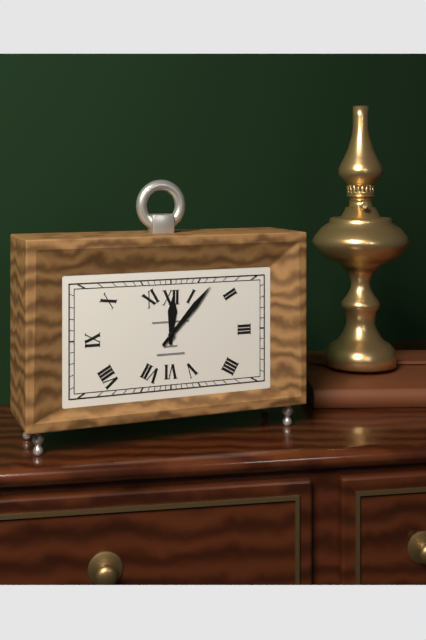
12:07
